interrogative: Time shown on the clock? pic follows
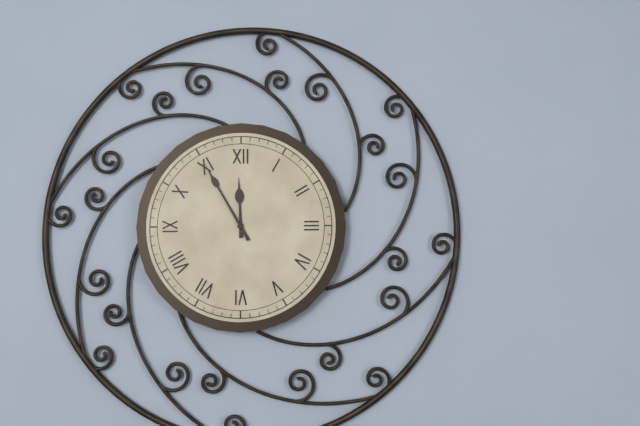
11:55
